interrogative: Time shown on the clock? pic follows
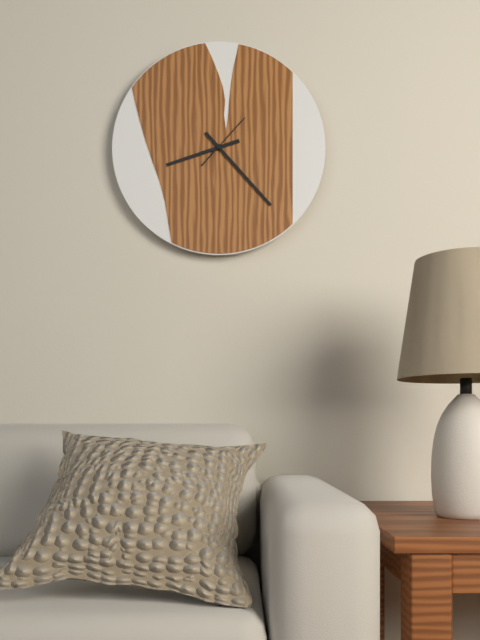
8:23:07
